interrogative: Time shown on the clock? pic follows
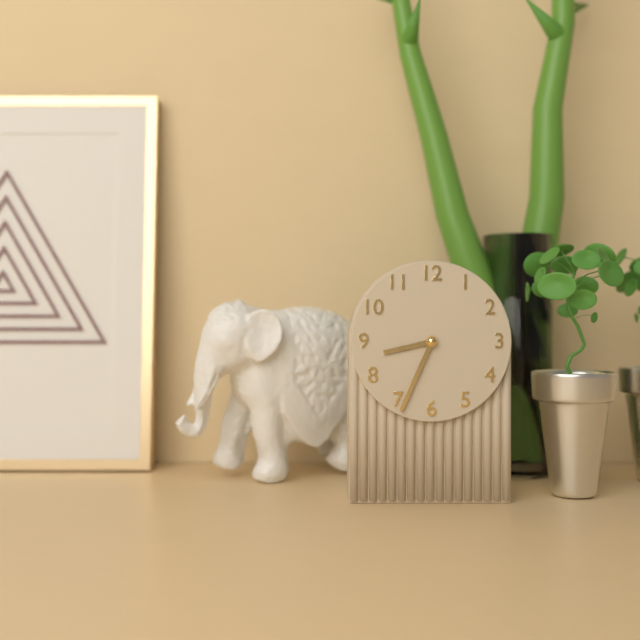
8:34
